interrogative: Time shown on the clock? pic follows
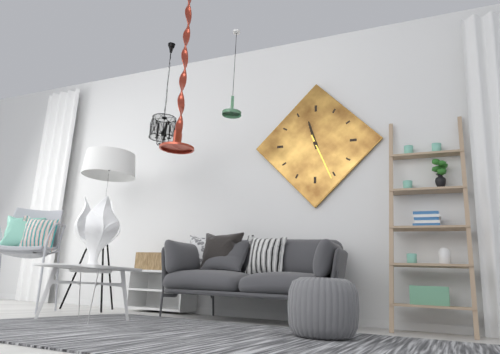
11:26
